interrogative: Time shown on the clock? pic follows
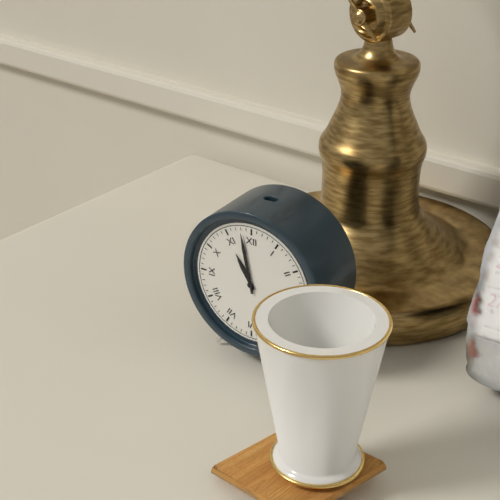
10:58
